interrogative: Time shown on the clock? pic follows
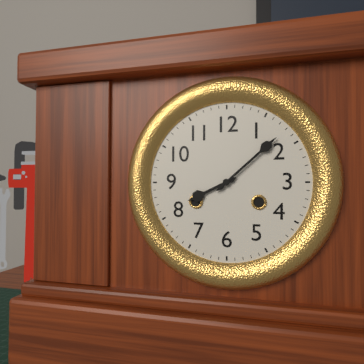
8:08
